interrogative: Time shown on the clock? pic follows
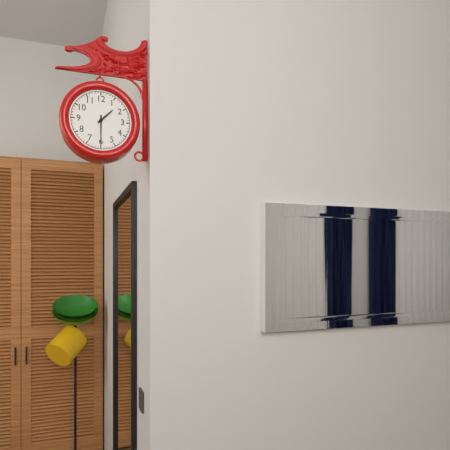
1:30
